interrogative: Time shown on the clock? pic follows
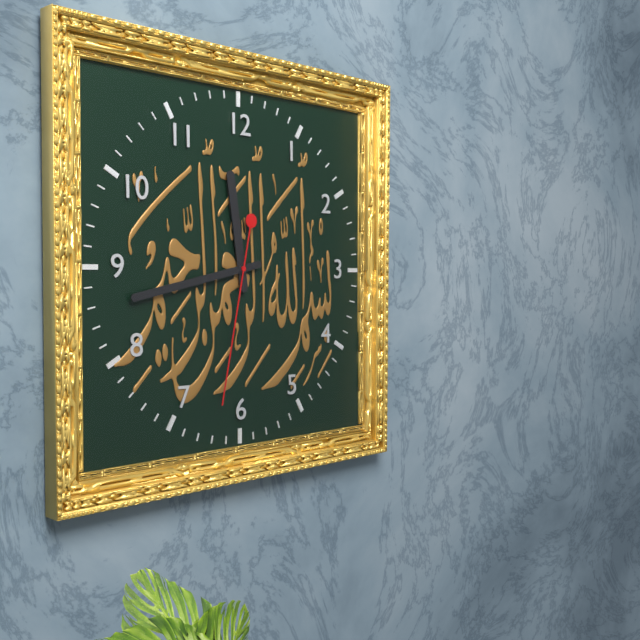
11:43:32
